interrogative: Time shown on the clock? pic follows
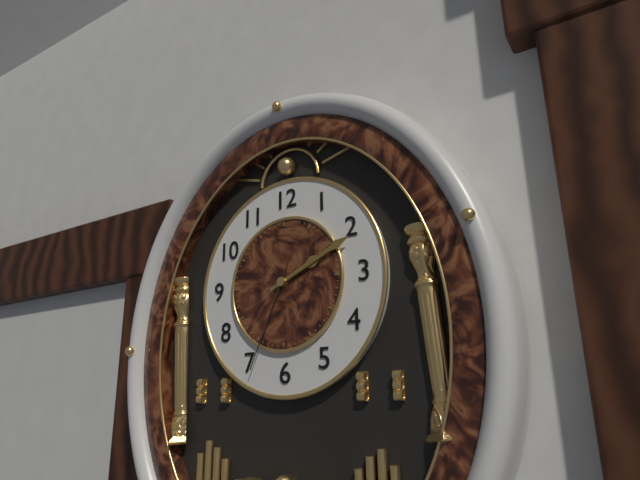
2:11:34
